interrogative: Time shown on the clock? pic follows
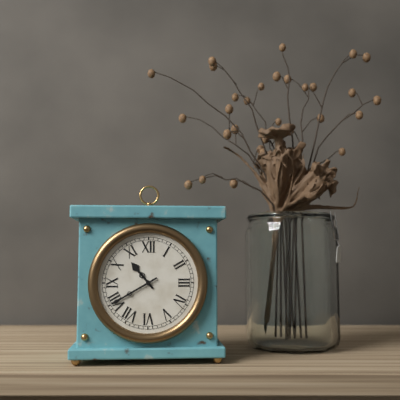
10:40
